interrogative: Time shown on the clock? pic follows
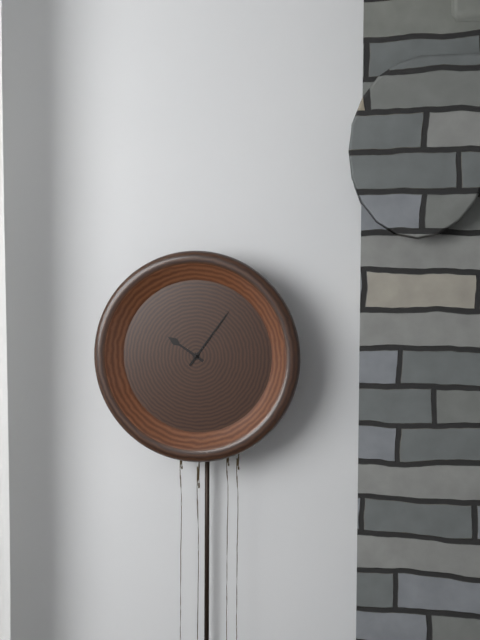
10:06
